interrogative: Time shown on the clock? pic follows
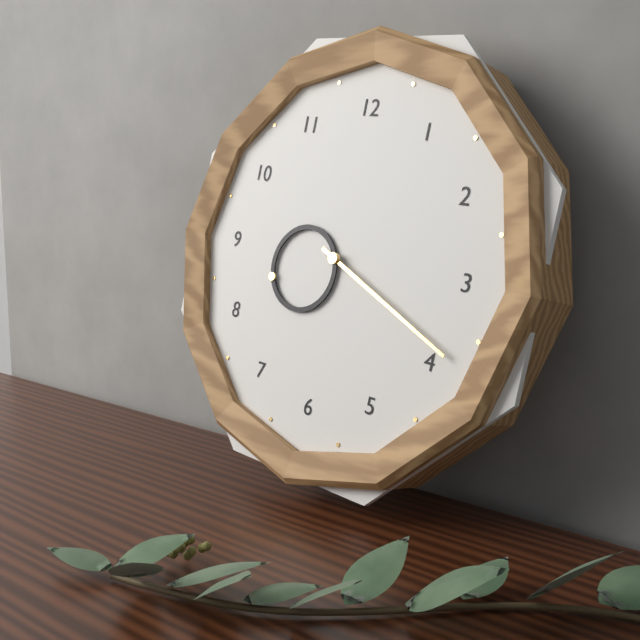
8:19
